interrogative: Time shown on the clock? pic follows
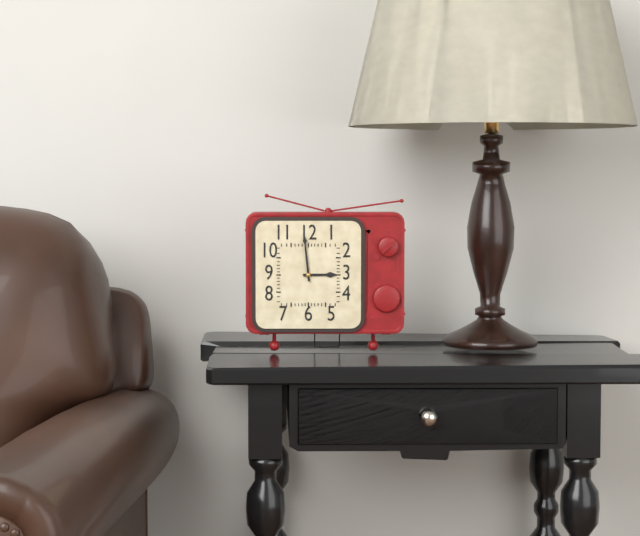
2:59
